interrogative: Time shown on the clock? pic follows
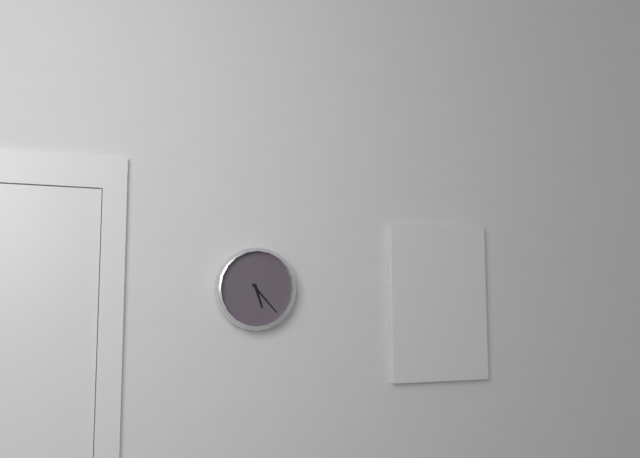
5:23
